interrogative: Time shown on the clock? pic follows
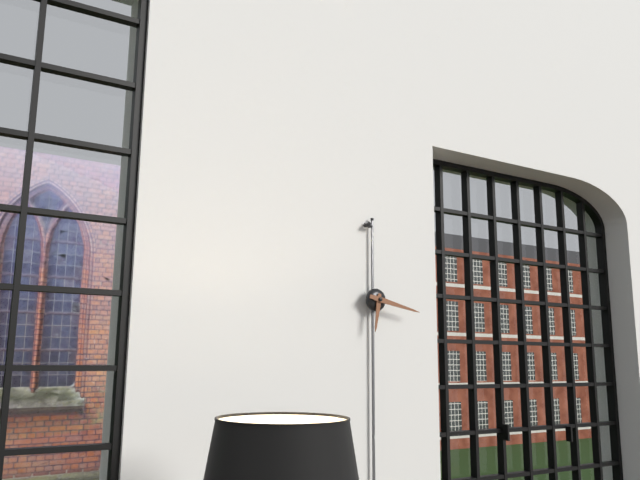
6:17
